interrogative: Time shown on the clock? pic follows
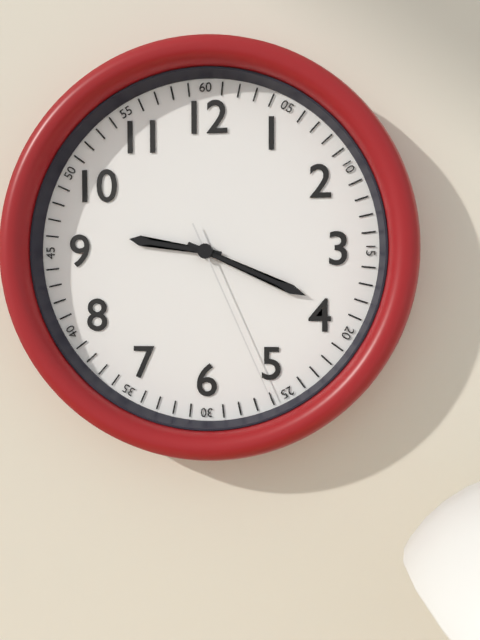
9:19:26
